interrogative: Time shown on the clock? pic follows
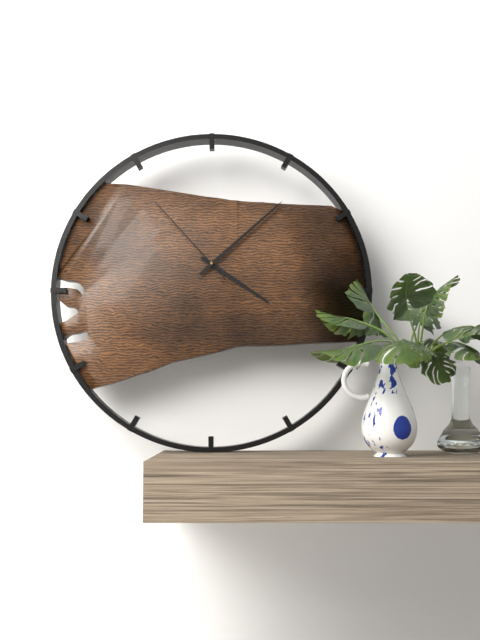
4:08:53
